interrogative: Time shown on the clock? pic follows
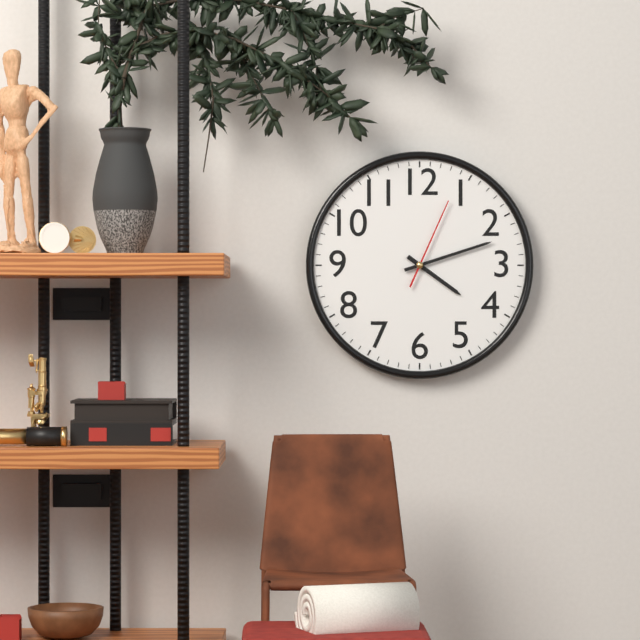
4:12:04
